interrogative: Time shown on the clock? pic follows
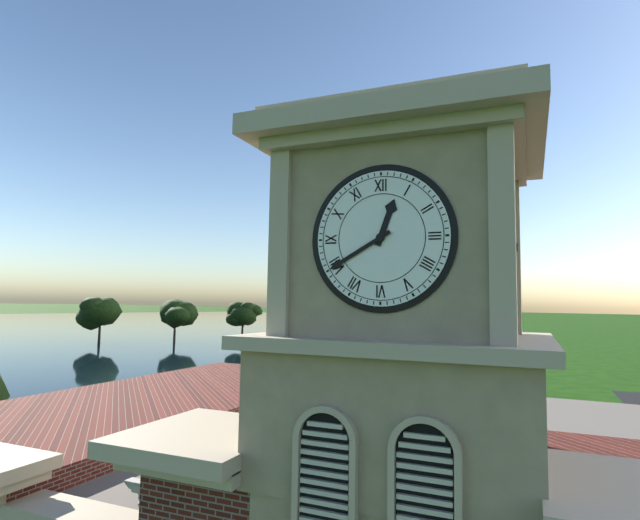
12:40
